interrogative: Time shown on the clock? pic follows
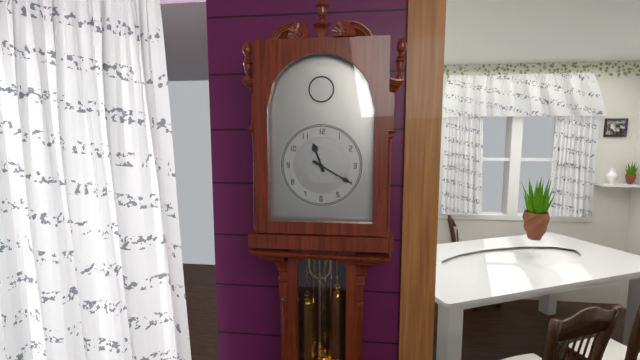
11:20
